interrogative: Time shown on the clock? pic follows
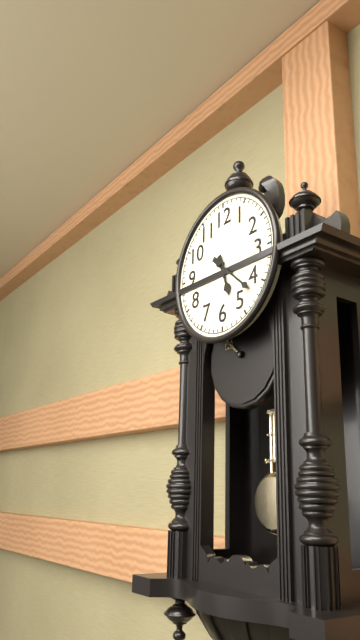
5:22
